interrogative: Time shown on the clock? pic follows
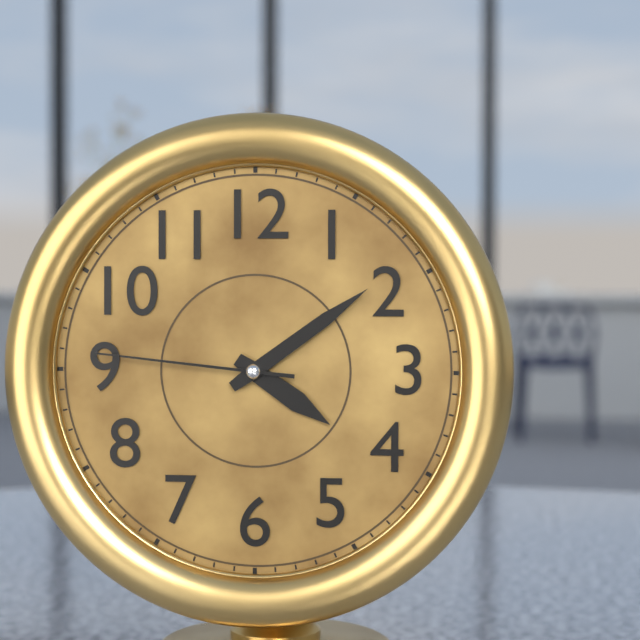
4:09:46
